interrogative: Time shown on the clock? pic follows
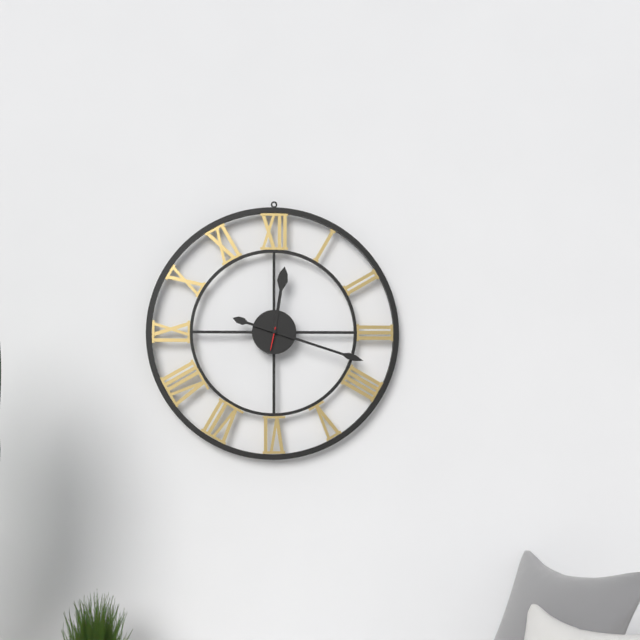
12:18
